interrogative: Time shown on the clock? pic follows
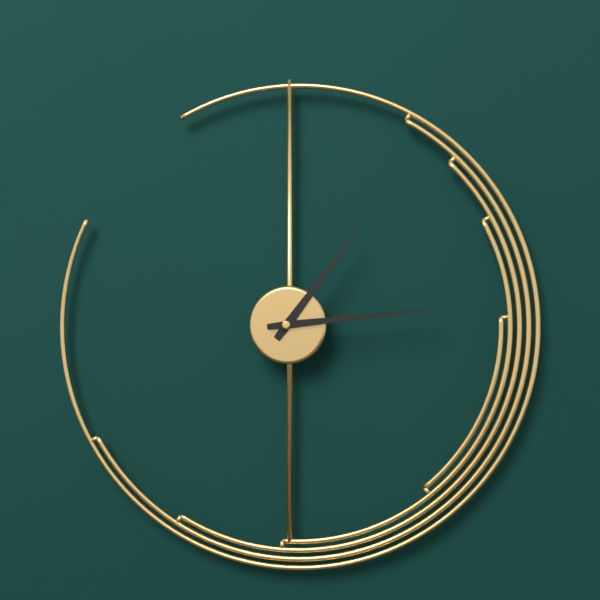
1:14
